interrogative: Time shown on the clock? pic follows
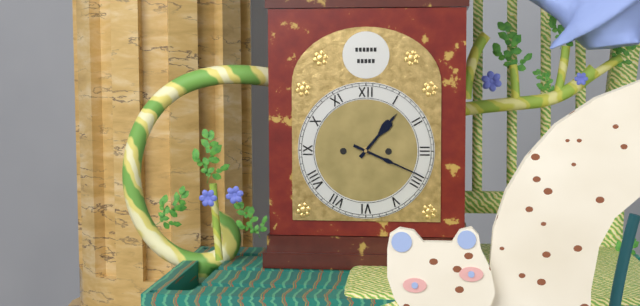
1:19
